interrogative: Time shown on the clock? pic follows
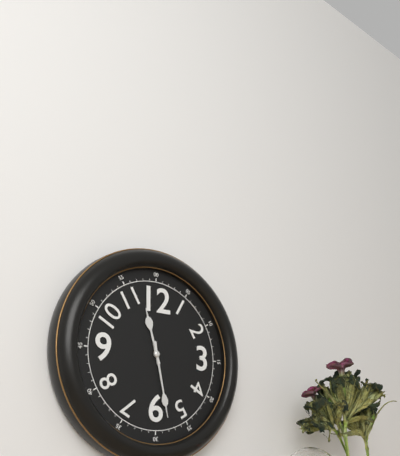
11:28
